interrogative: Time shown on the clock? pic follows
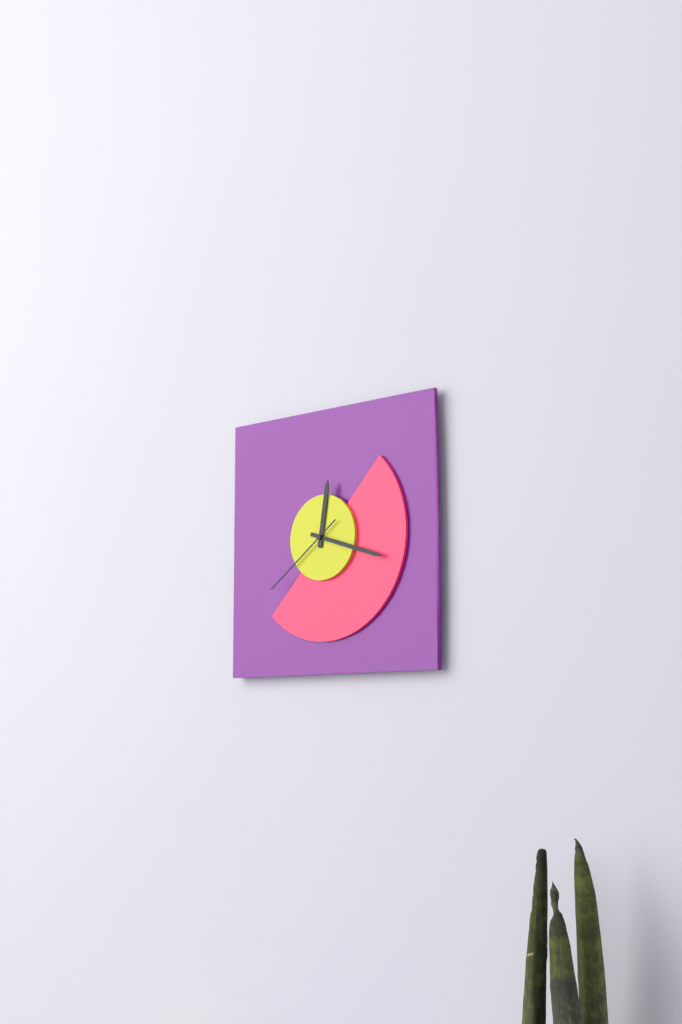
12:18:39
